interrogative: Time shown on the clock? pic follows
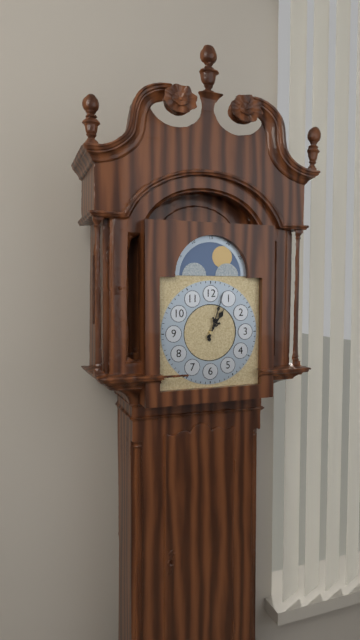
1:03
